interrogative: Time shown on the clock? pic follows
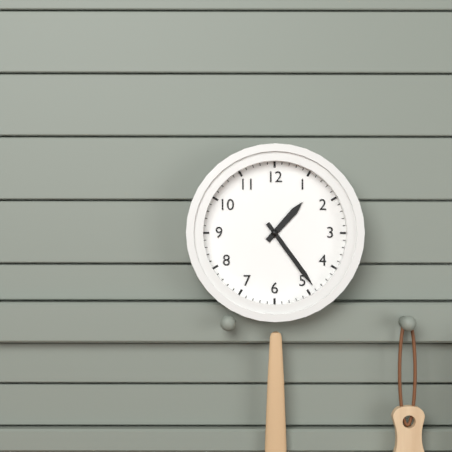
1:24
